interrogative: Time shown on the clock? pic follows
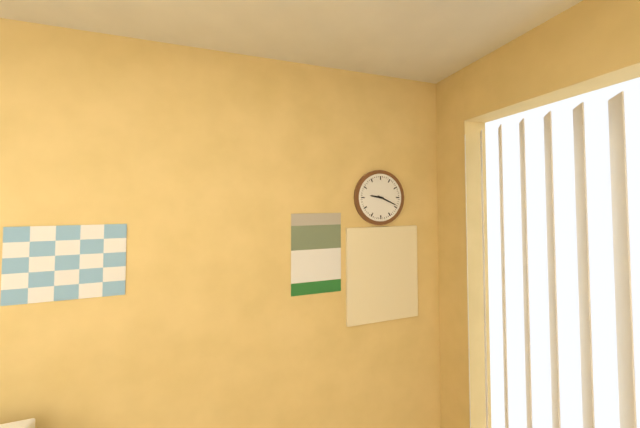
9:19
